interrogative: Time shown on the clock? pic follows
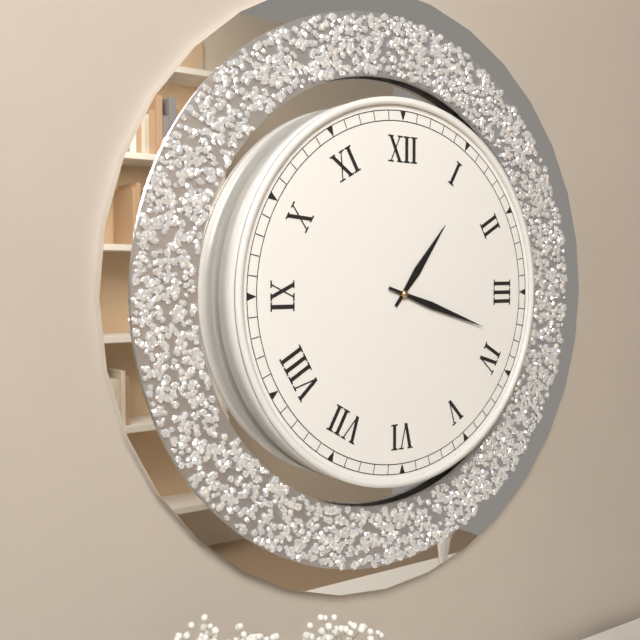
1:18
